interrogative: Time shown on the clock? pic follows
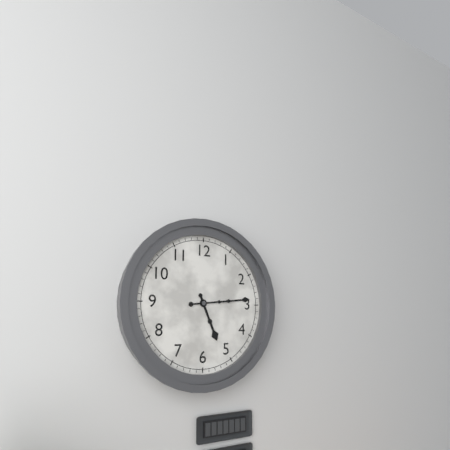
5:14
